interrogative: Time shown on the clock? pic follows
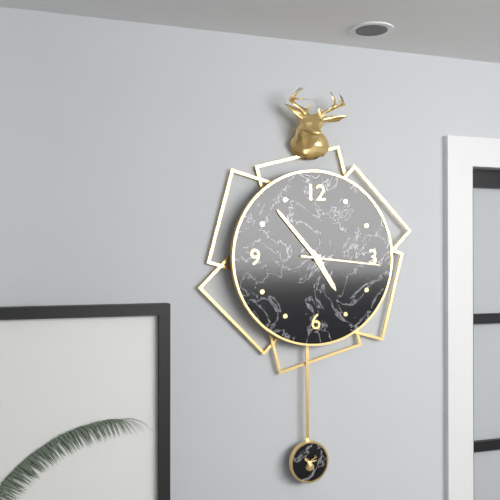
4:53:16
